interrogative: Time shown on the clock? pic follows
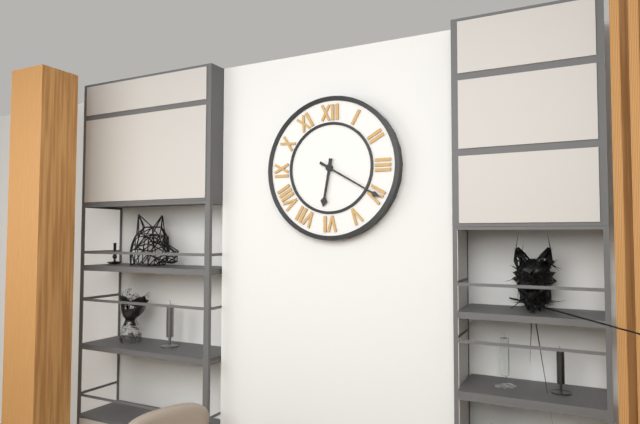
6:20
